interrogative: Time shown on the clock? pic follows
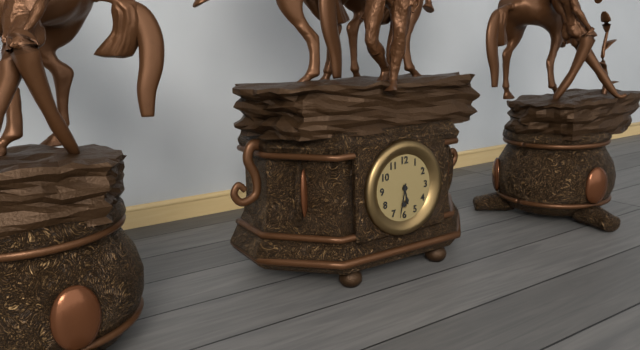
5:32
